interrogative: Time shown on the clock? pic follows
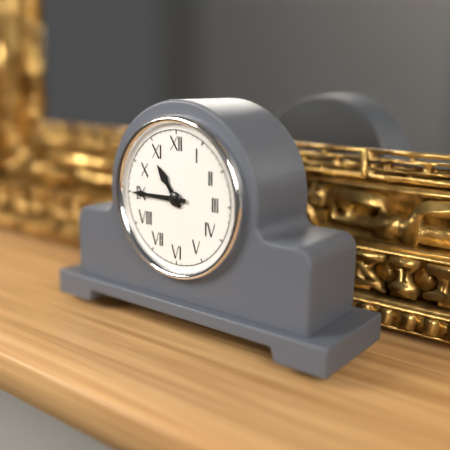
10:45
